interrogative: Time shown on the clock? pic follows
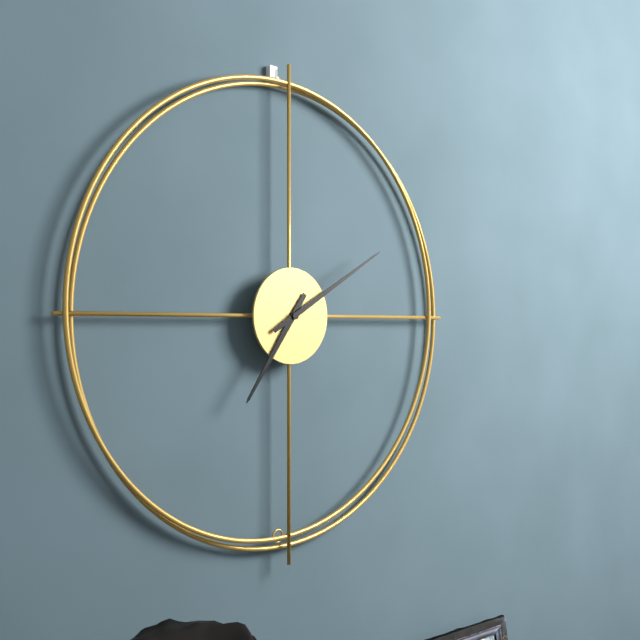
7:10
